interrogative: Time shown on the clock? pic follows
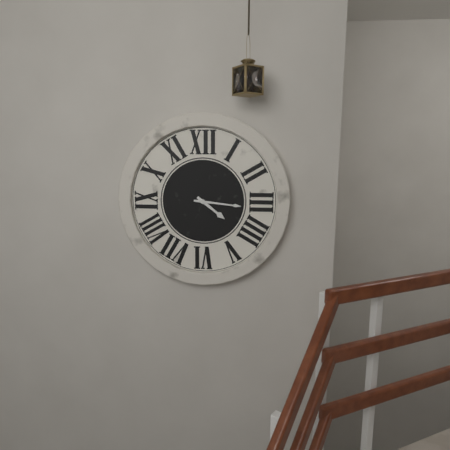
4:16
